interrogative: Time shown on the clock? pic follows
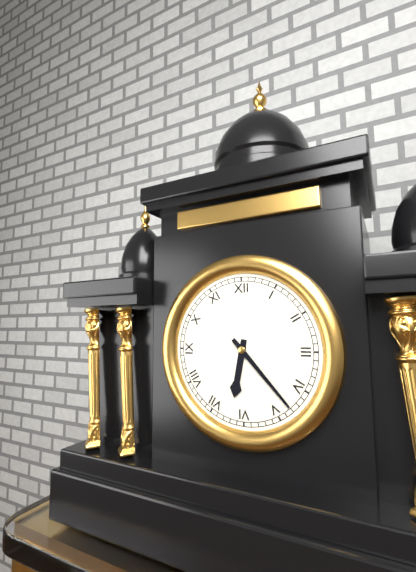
6:23
